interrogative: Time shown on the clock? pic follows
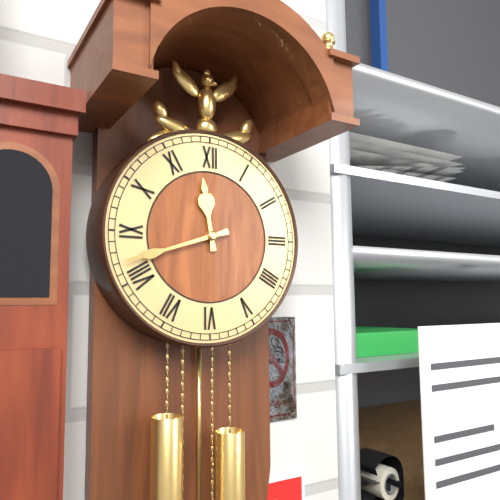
11:42
